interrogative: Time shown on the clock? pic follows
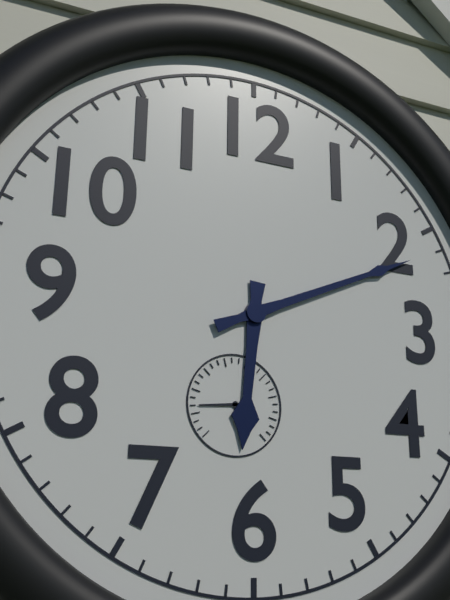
6:11
